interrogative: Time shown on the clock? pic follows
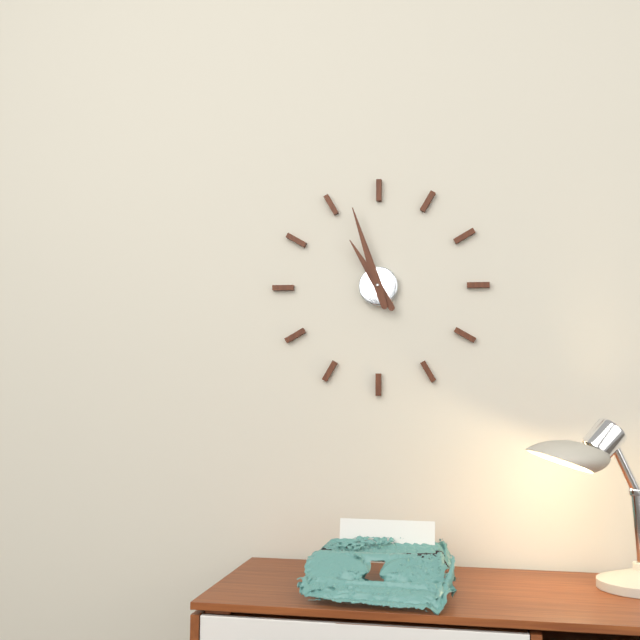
10:57
